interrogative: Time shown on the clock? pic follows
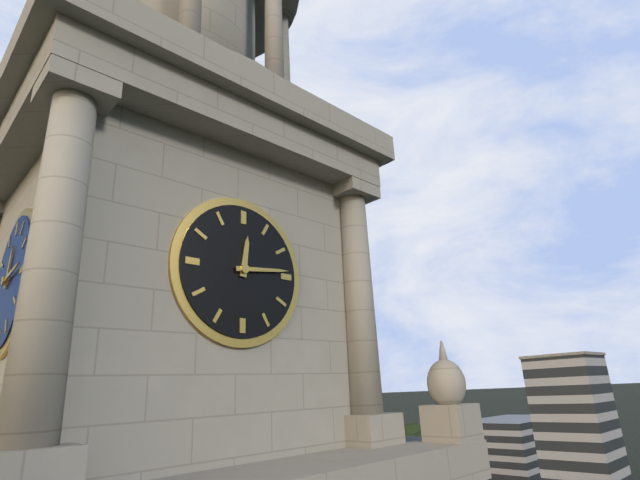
12:14
